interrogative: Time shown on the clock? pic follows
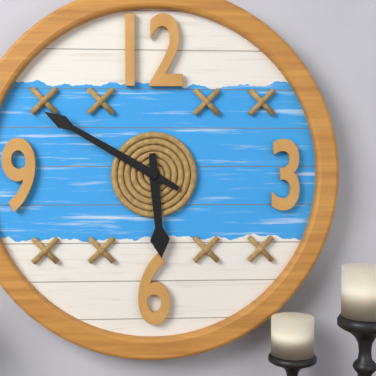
5:50
